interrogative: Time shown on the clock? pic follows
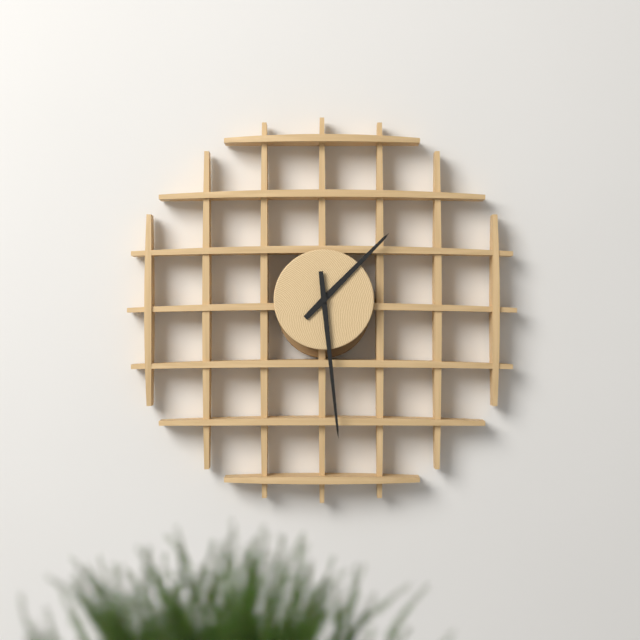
1:29
